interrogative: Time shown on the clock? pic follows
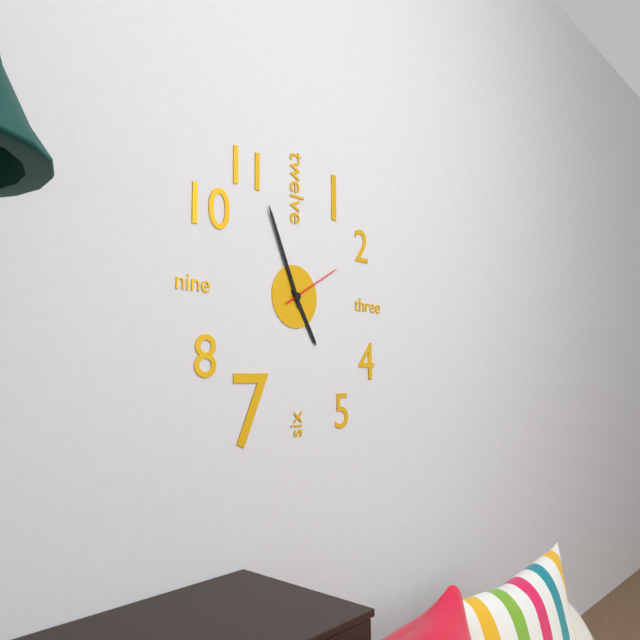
4:56:10
